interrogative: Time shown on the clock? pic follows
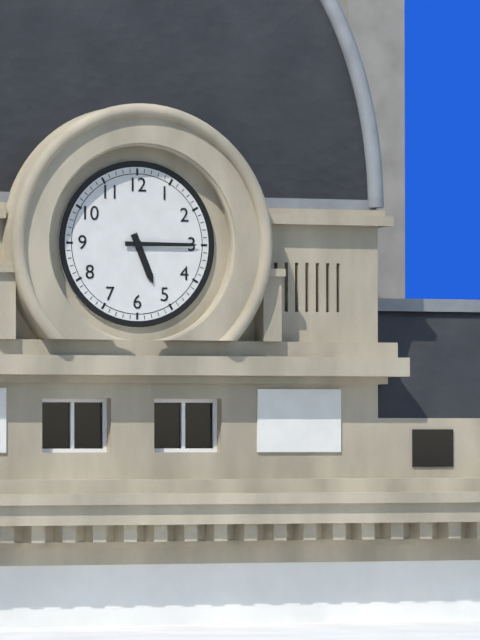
5:15
